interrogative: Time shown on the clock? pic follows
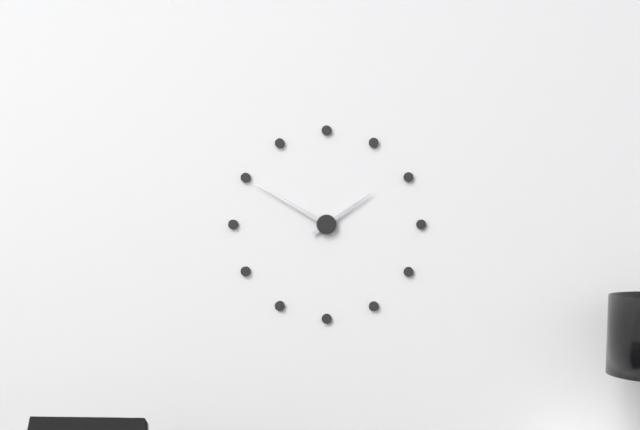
1:50
